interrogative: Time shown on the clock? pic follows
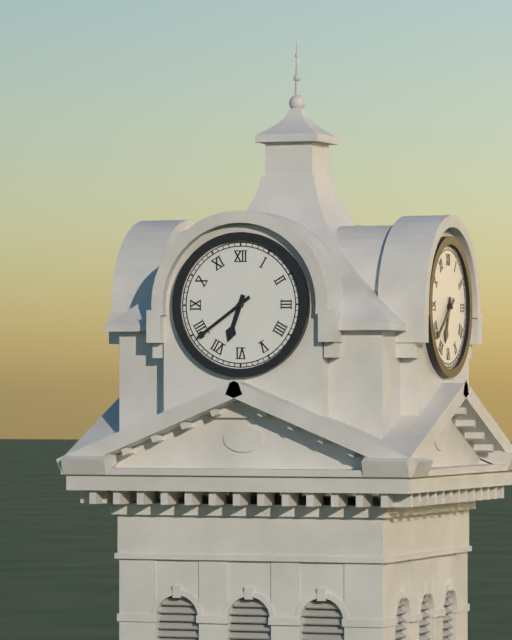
6:39
